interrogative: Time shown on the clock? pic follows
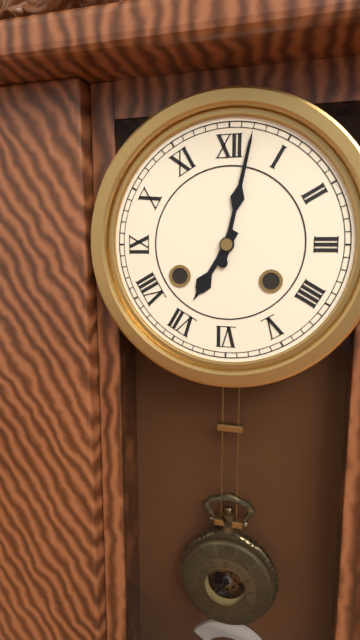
7:02
